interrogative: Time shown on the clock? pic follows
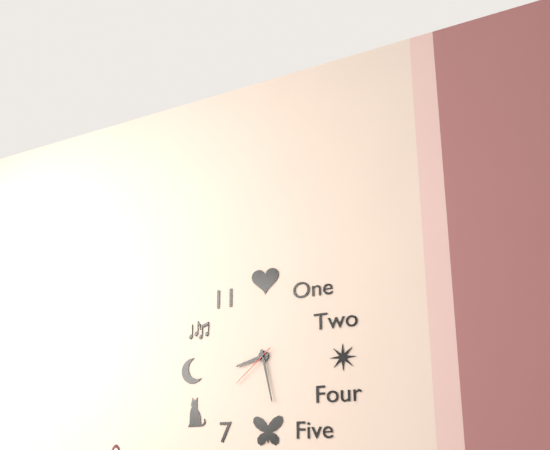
8:28
